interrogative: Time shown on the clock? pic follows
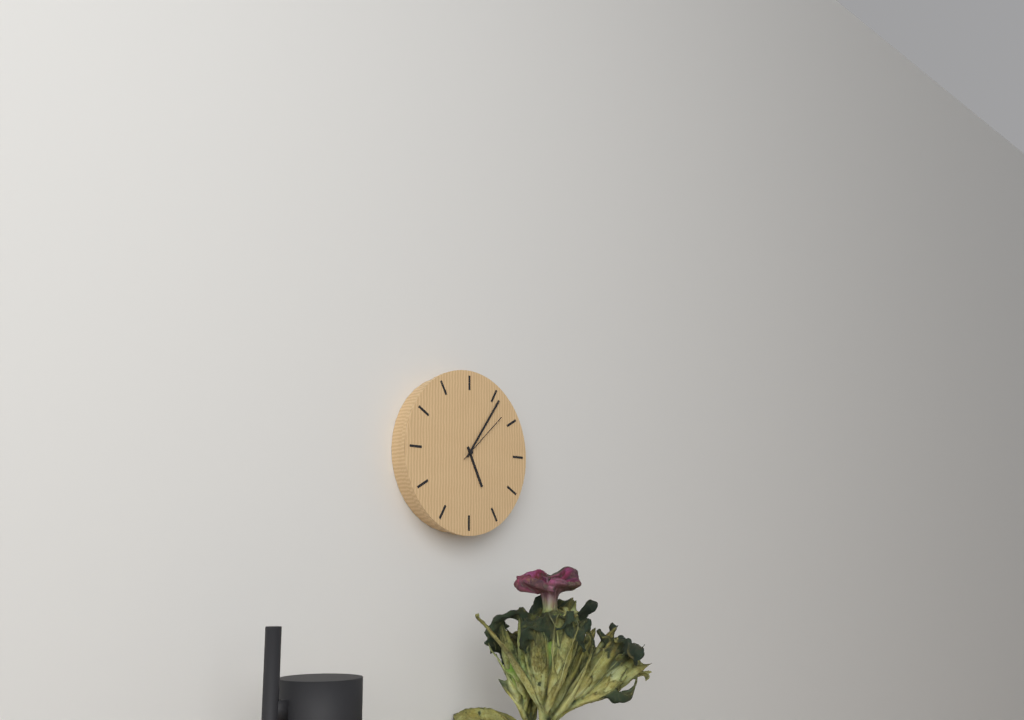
5:06:08
